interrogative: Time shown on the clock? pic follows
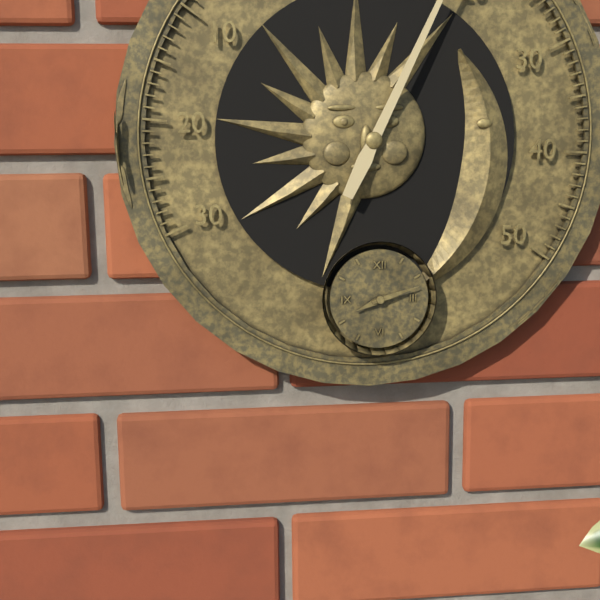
8:12
